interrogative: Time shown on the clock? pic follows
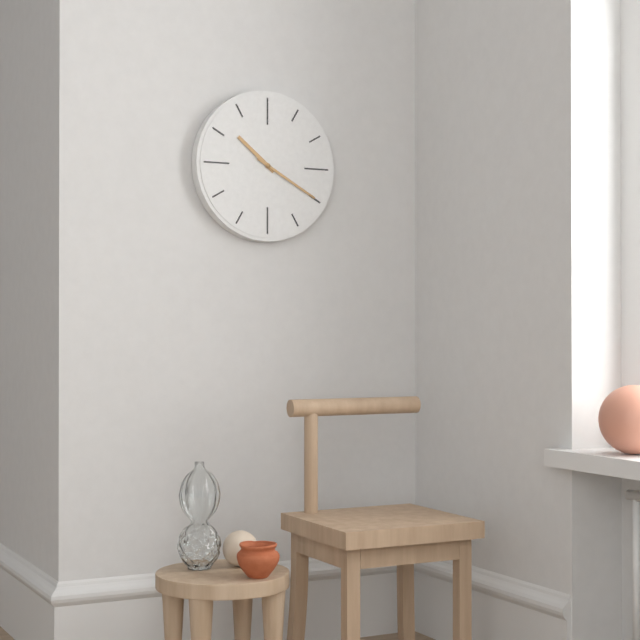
10:20
